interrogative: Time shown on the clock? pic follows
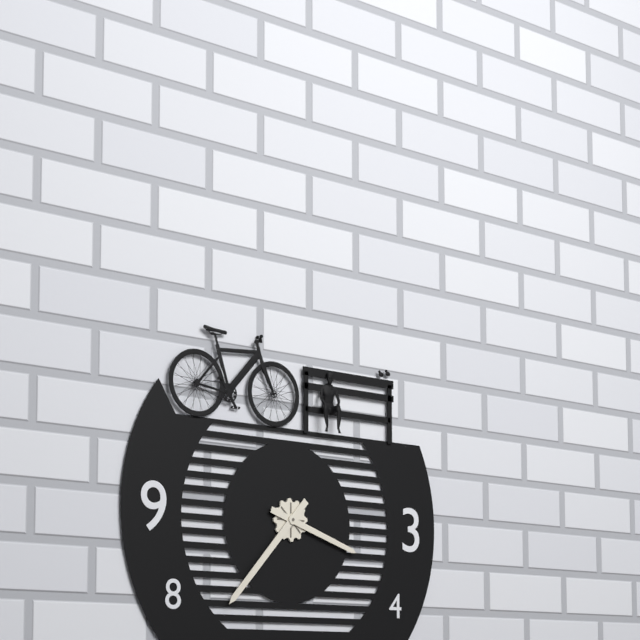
3:37
